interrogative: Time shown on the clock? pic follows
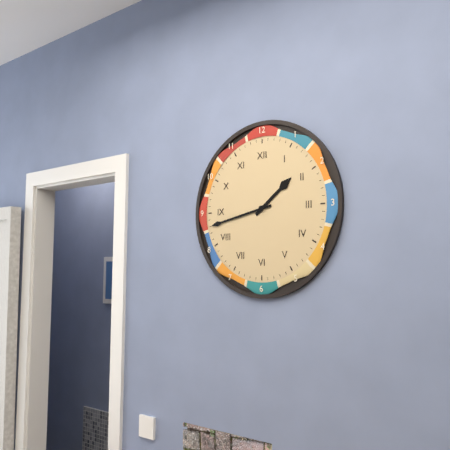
1:43
